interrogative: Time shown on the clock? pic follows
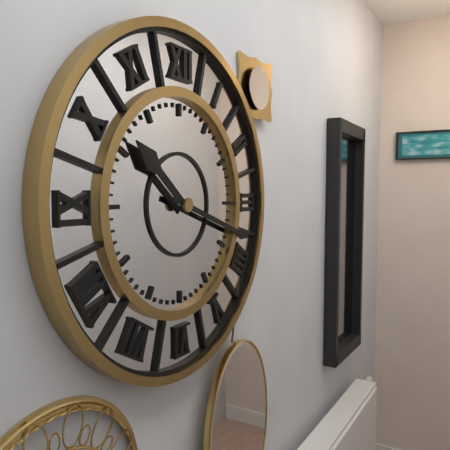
10:18
